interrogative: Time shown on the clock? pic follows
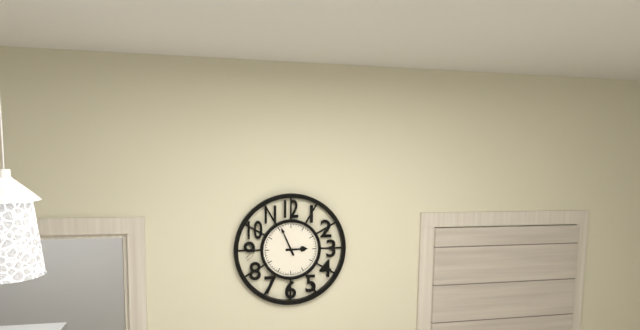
2:56
